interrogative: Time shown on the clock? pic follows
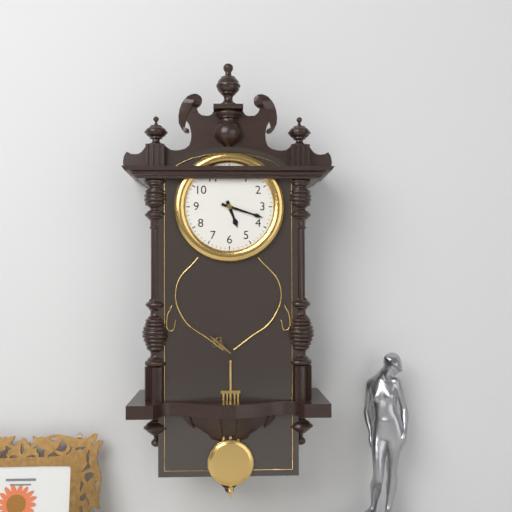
5:18
